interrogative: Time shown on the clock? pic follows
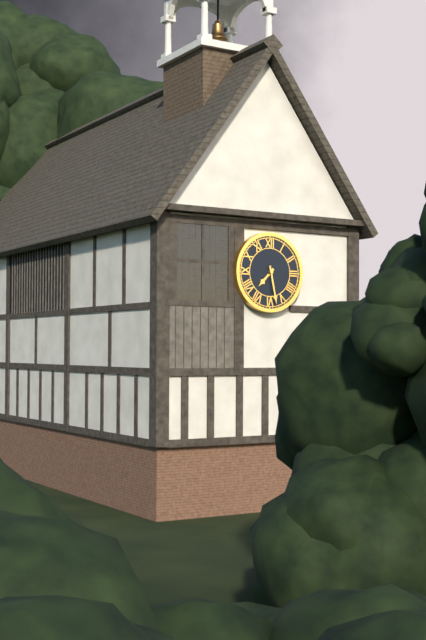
7:28
